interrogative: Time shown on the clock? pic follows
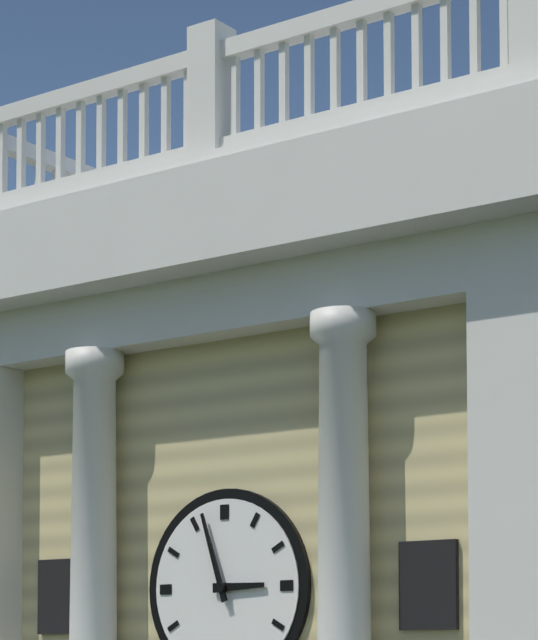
2:57
